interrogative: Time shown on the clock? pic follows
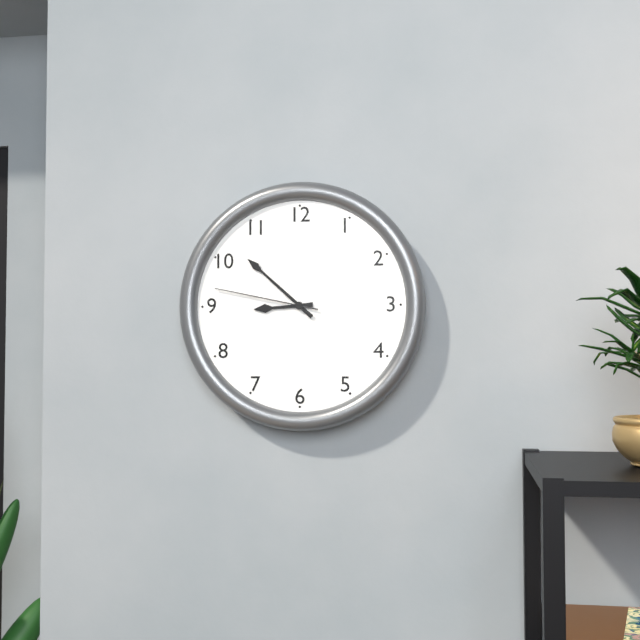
8:52:47
